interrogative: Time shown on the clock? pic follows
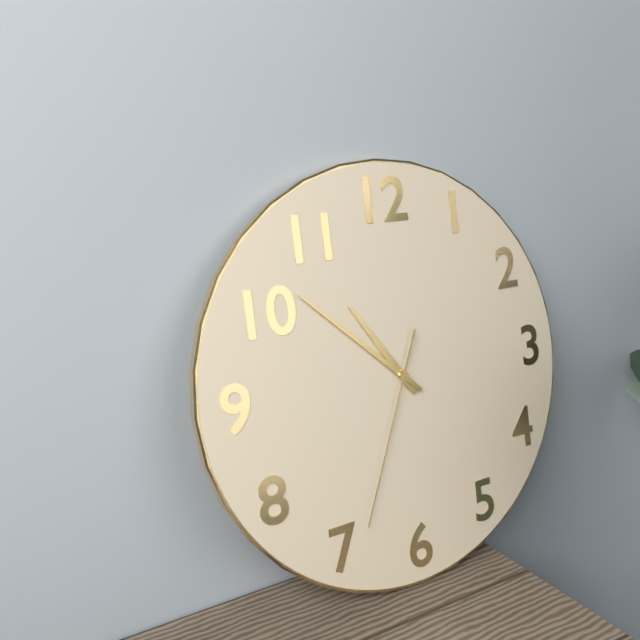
10:52:34
